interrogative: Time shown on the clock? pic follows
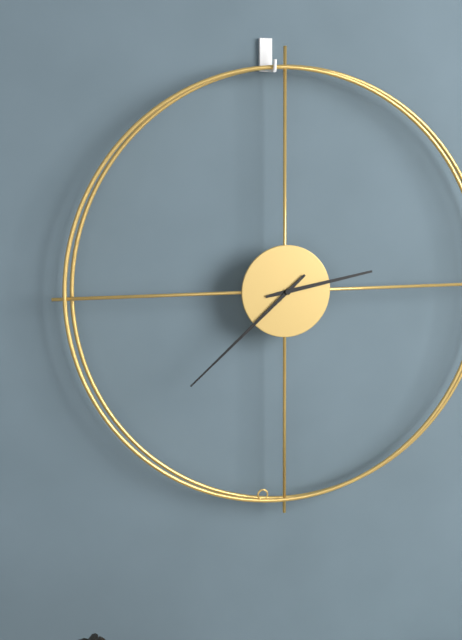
2:38
